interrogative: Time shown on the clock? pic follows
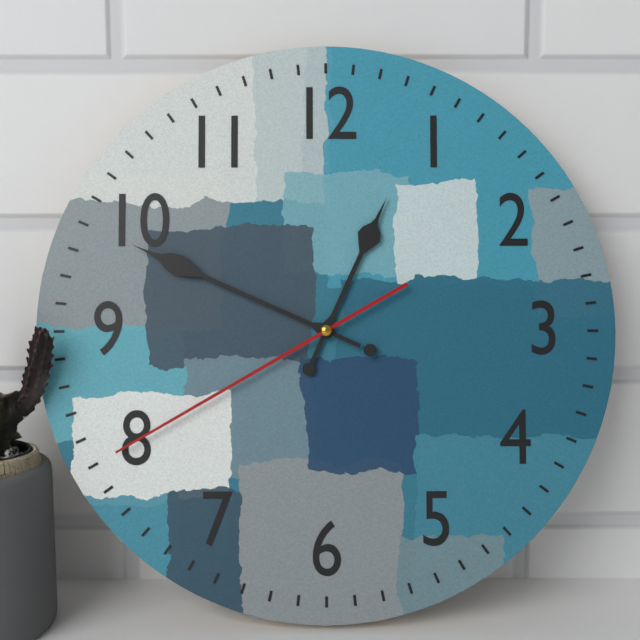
12:49:40
